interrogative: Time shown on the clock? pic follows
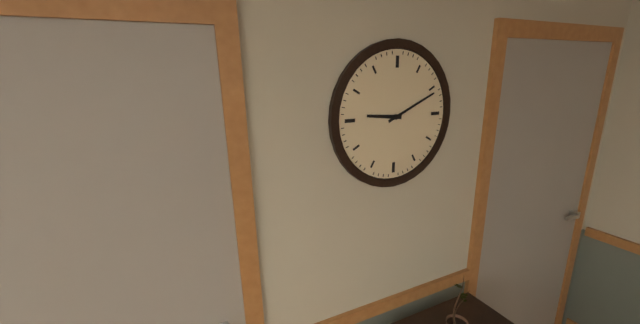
9:11
